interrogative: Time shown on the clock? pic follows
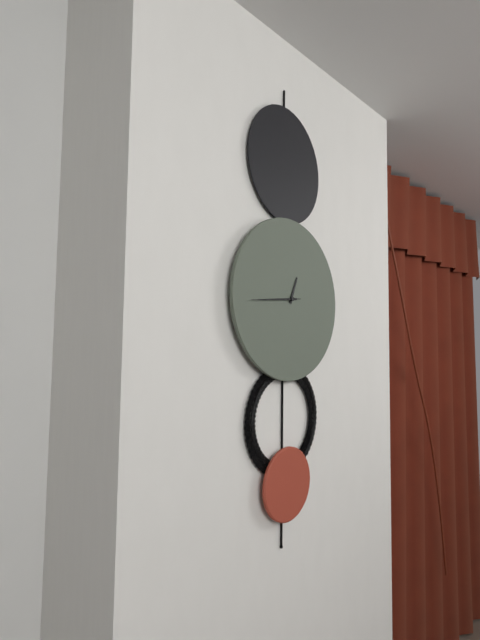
12:44
